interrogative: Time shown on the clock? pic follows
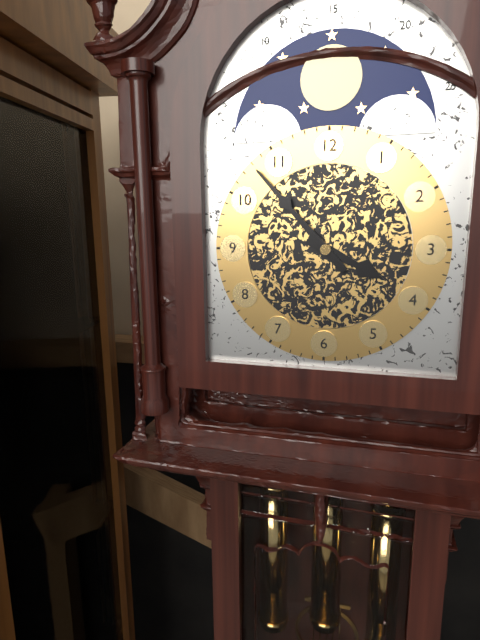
3:53
